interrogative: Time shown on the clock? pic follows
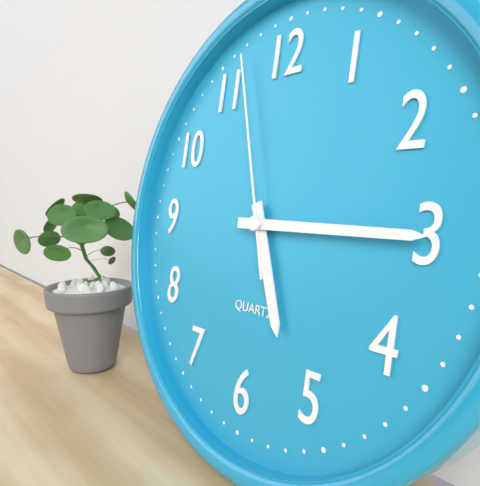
5:15:57
